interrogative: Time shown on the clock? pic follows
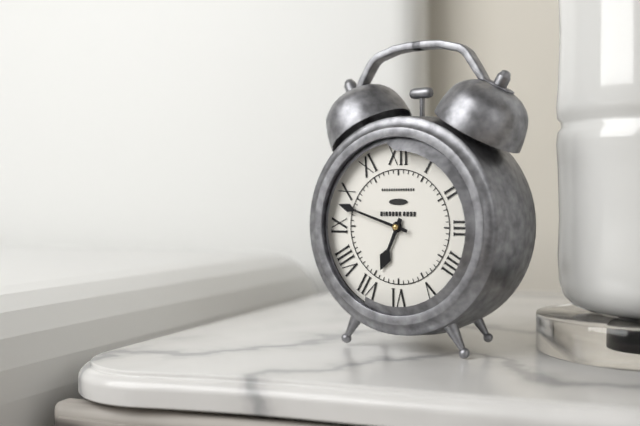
6:48
